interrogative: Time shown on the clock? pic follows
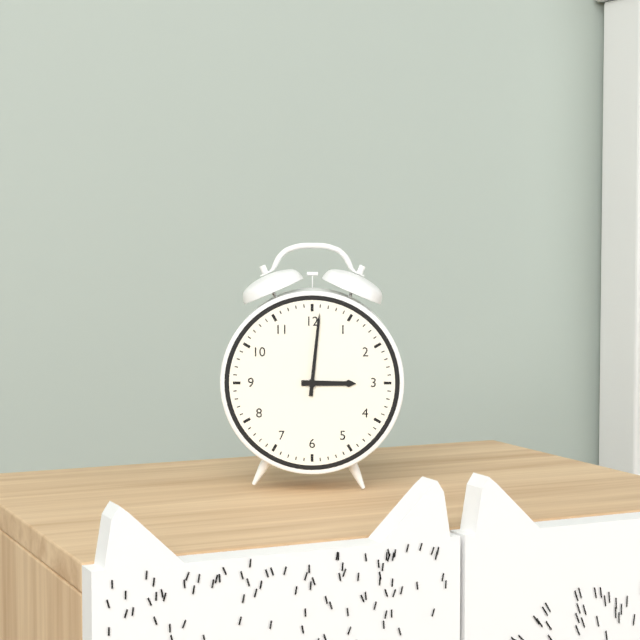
3:01
